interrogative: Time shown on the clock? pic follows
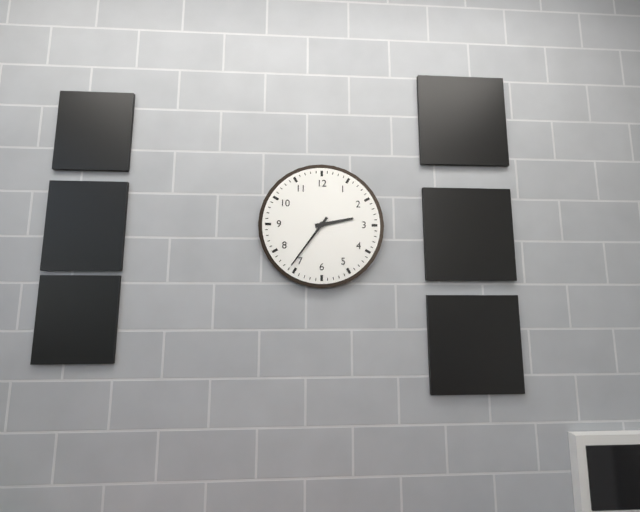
2:36
